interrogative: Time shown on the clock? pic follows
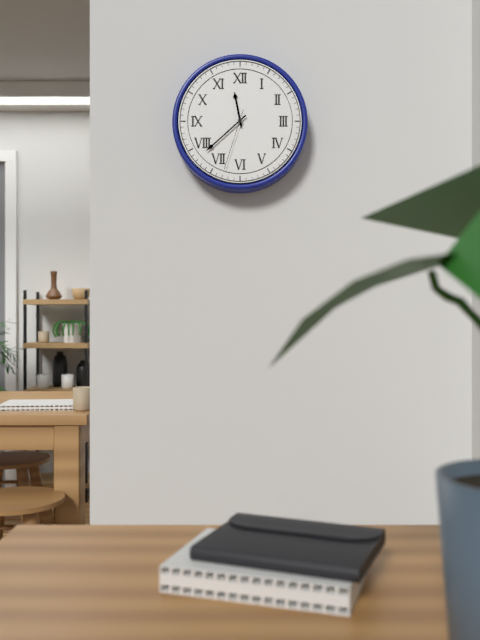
11:38:33
